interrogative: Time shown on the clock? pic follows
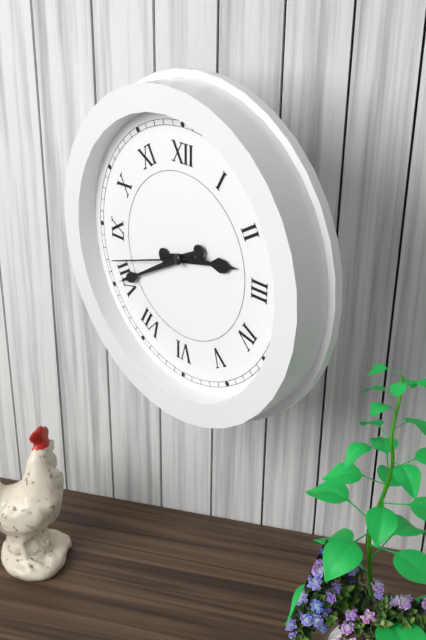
2:40:42
